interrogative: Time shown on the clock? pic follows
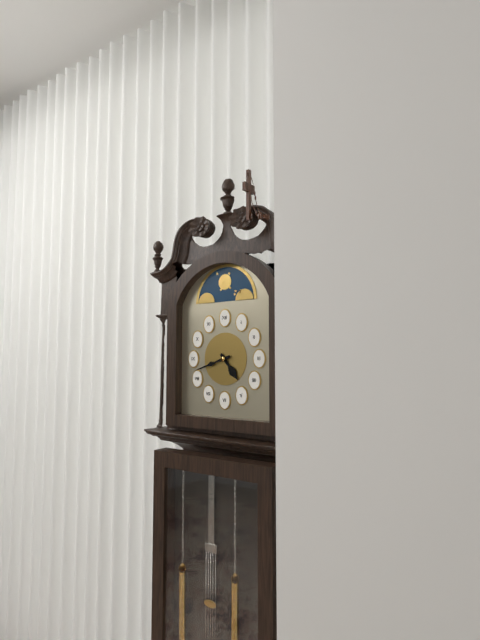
4:42
